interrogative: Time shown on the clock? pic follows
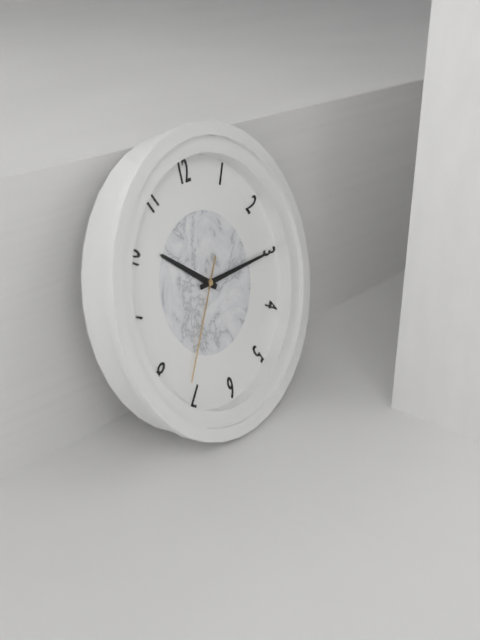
10:15:36
